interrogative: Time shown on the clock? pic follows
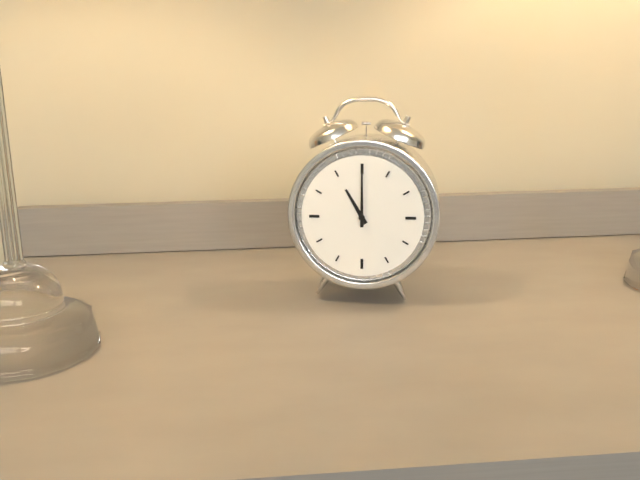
11:00
